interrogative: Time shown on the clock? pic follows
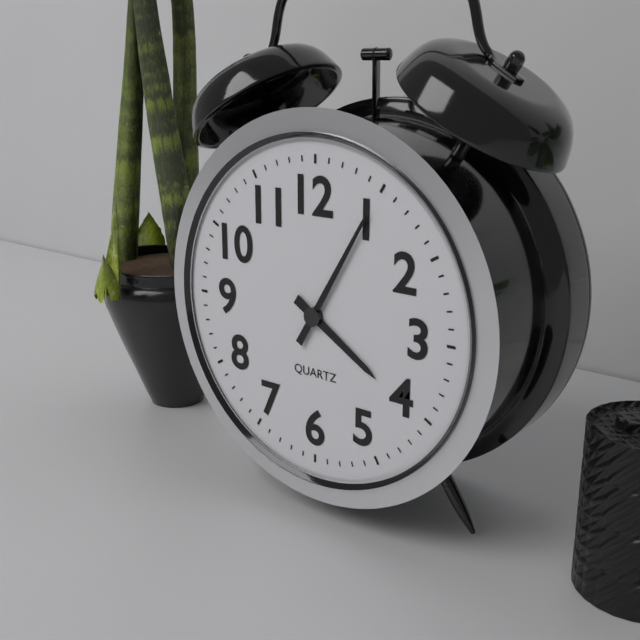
4:05
